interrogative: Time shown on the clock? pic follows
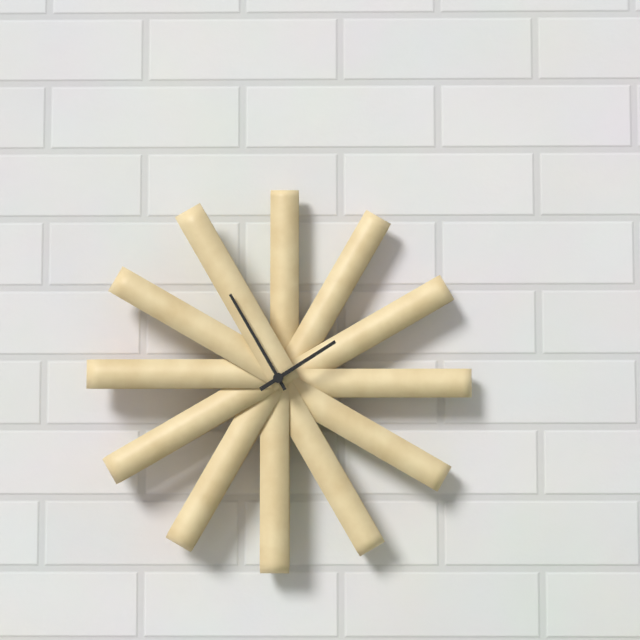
1:55
